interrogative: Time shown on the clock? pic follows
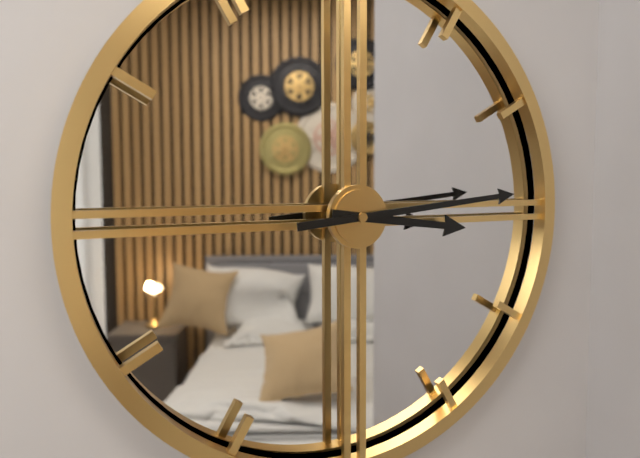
3:14
